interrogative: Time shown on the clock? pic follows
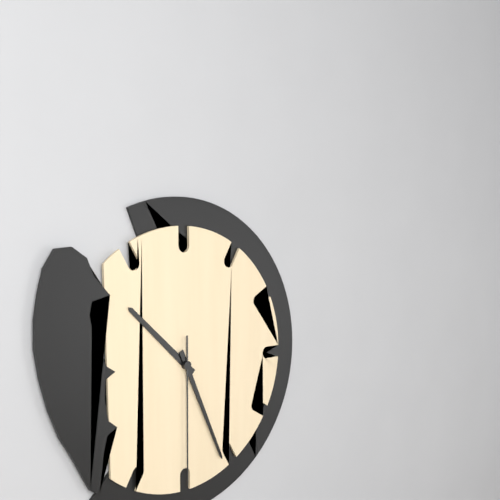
10:26:30
